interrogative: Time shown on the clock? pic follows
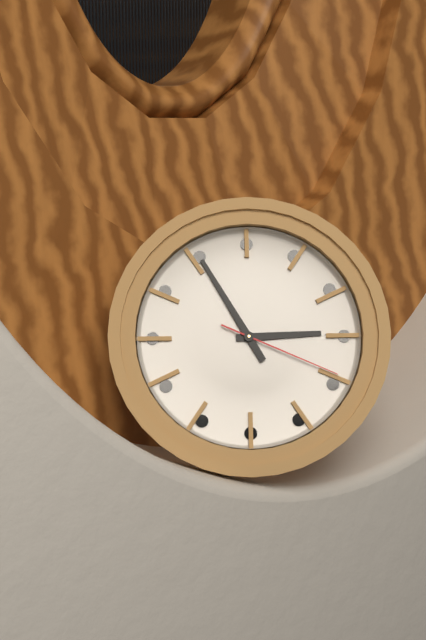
2:55:19
